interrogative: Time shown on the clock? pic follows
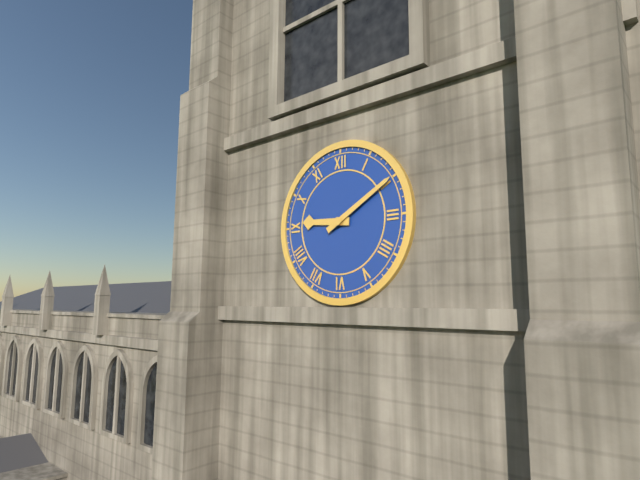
9:10
